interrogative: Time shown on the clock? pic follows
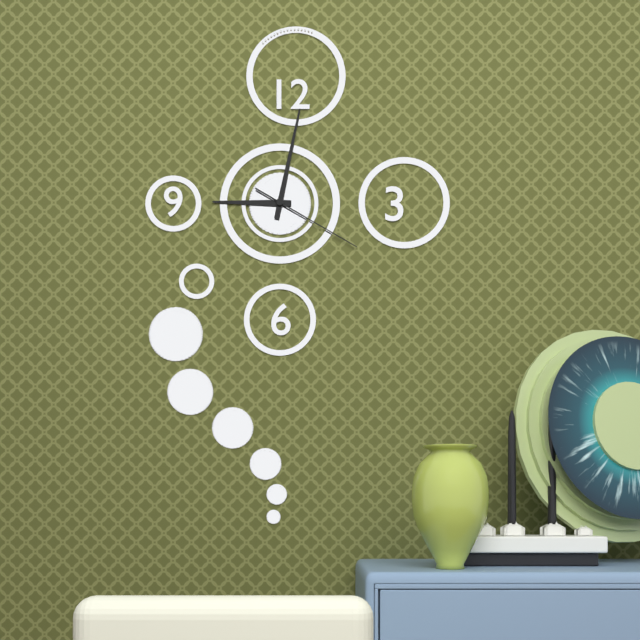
9:02:20
